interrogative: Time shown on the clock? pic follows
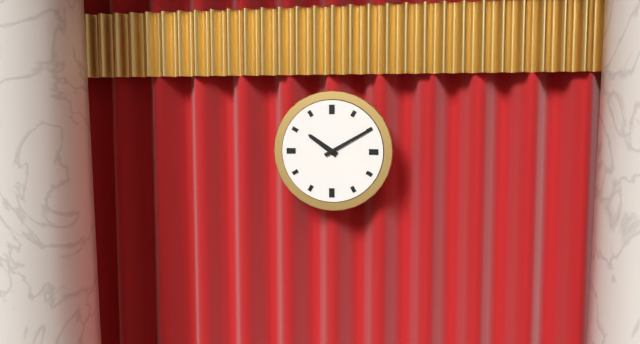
10:10
